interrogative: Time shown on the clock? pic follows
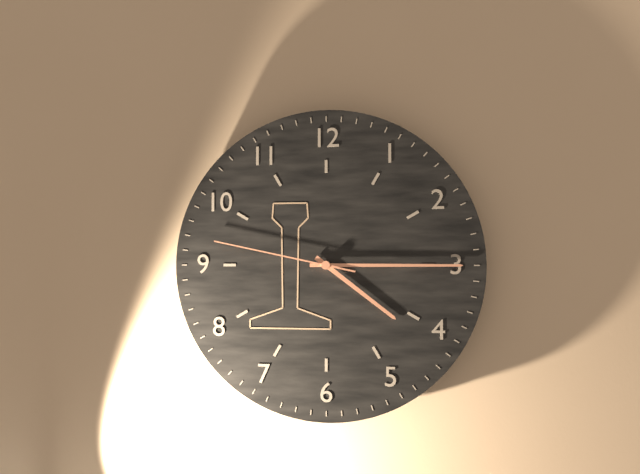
4:15:47
